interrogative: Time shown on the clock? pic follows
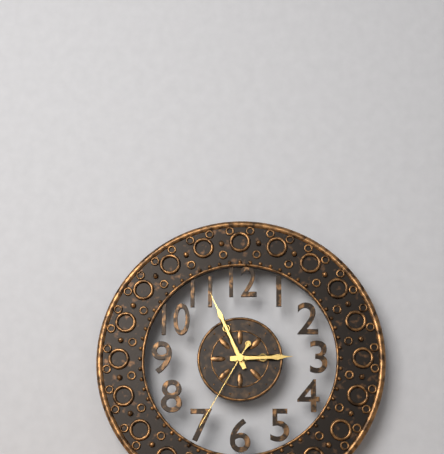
2:56:35
